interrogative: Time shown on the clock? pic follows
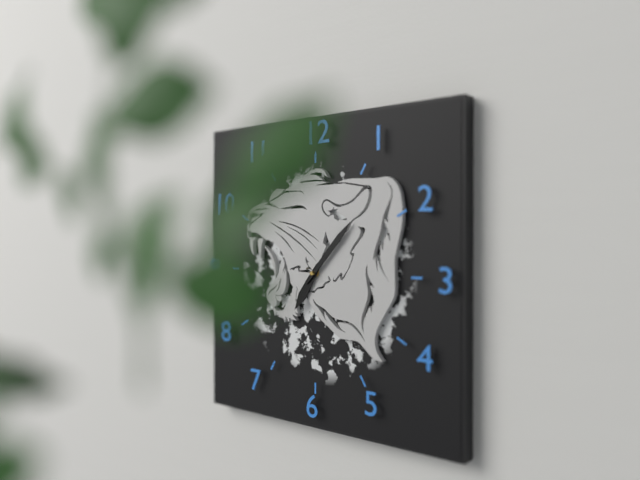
7:07
